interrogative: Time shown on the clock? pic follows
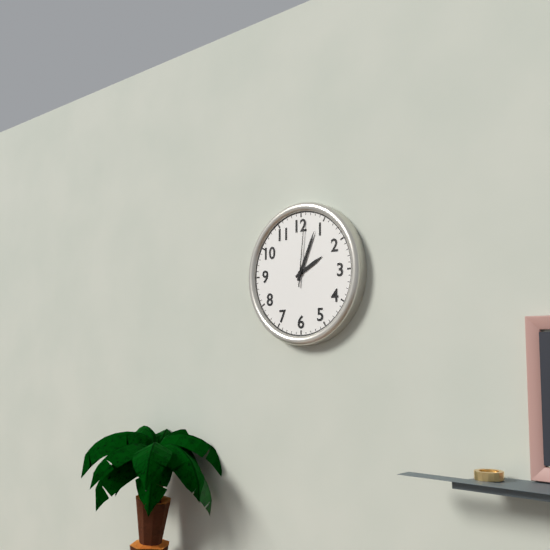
2:04:01
